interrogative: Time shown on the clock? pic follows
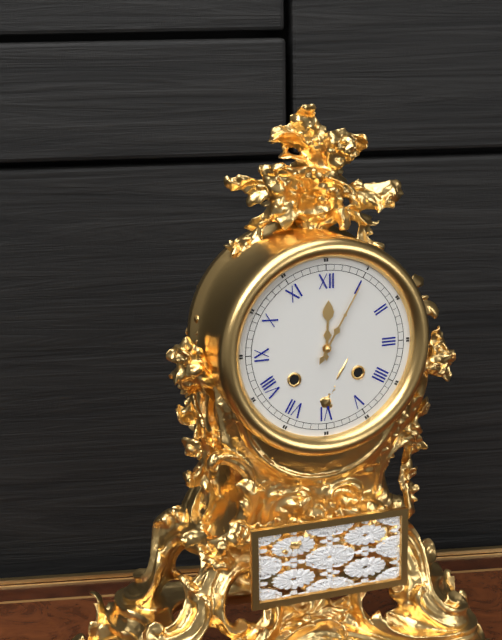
12:05
